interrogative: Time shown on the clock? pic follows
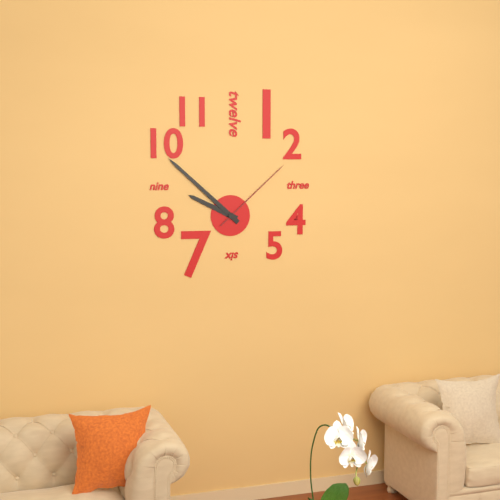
9:52:08
